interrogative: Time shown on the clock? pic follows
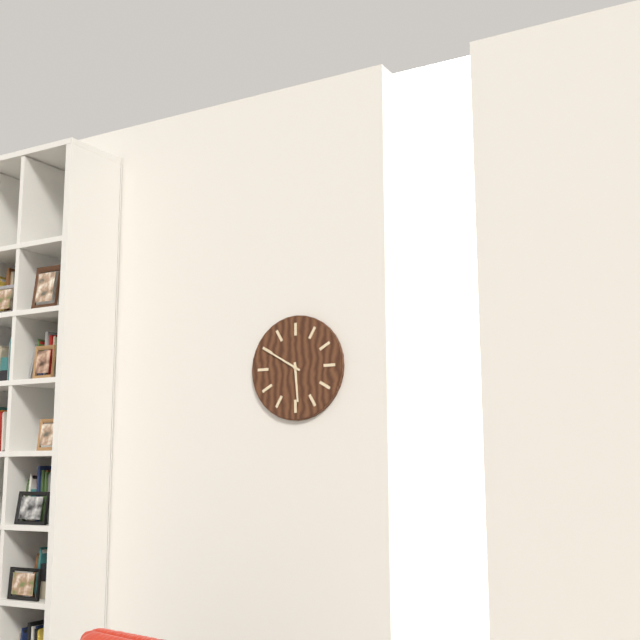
5:50
